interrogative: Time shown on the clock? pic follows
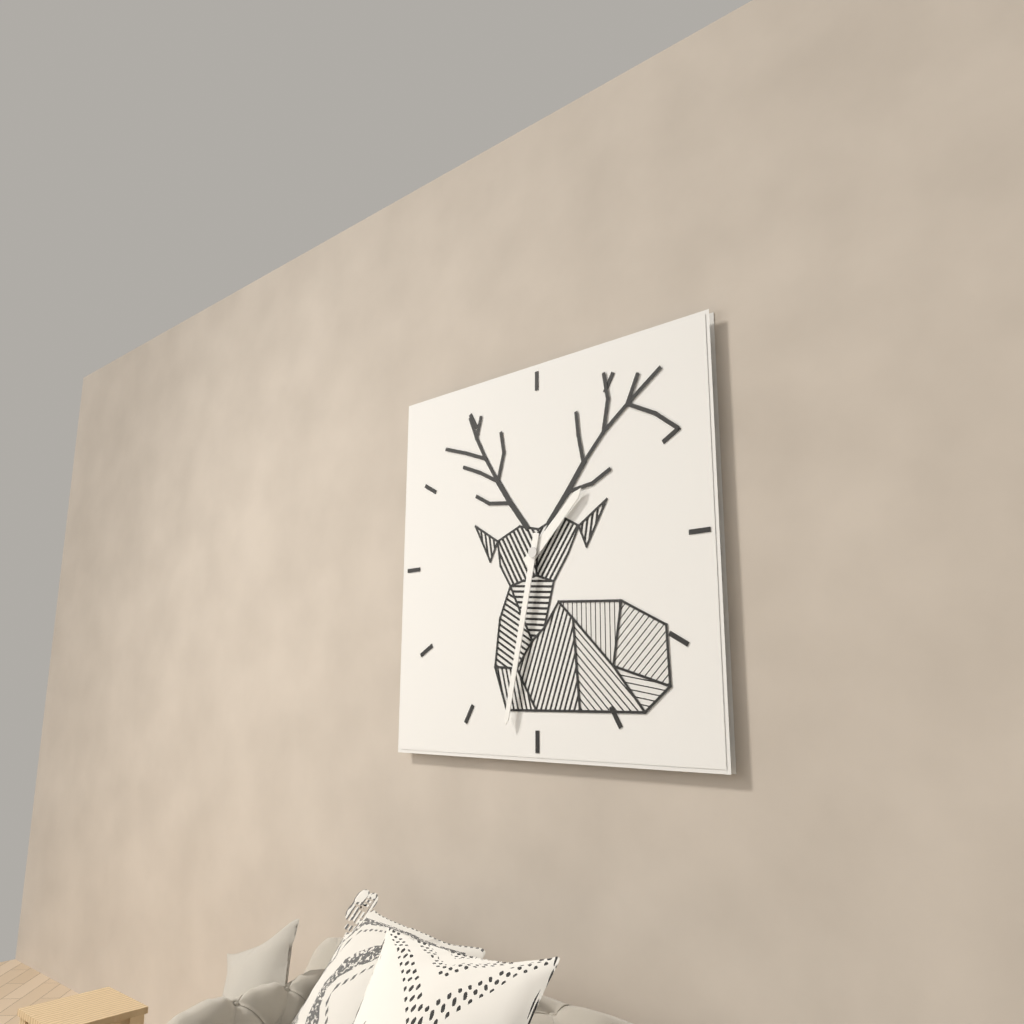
1:32
